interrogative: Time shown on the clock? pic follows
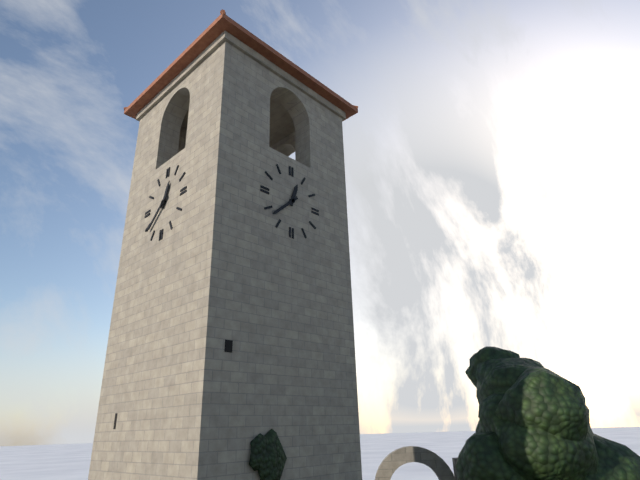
12:38
